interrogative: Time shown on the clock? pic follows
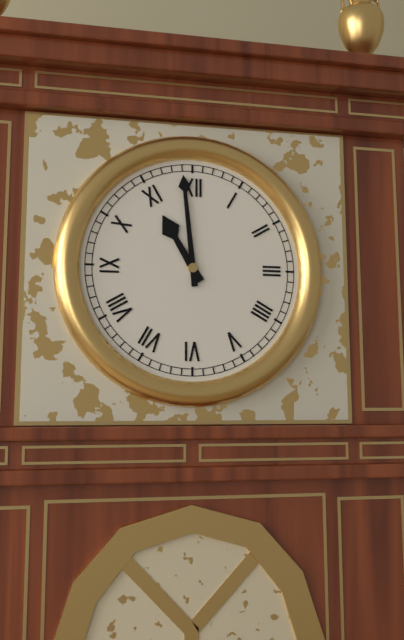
10:59
